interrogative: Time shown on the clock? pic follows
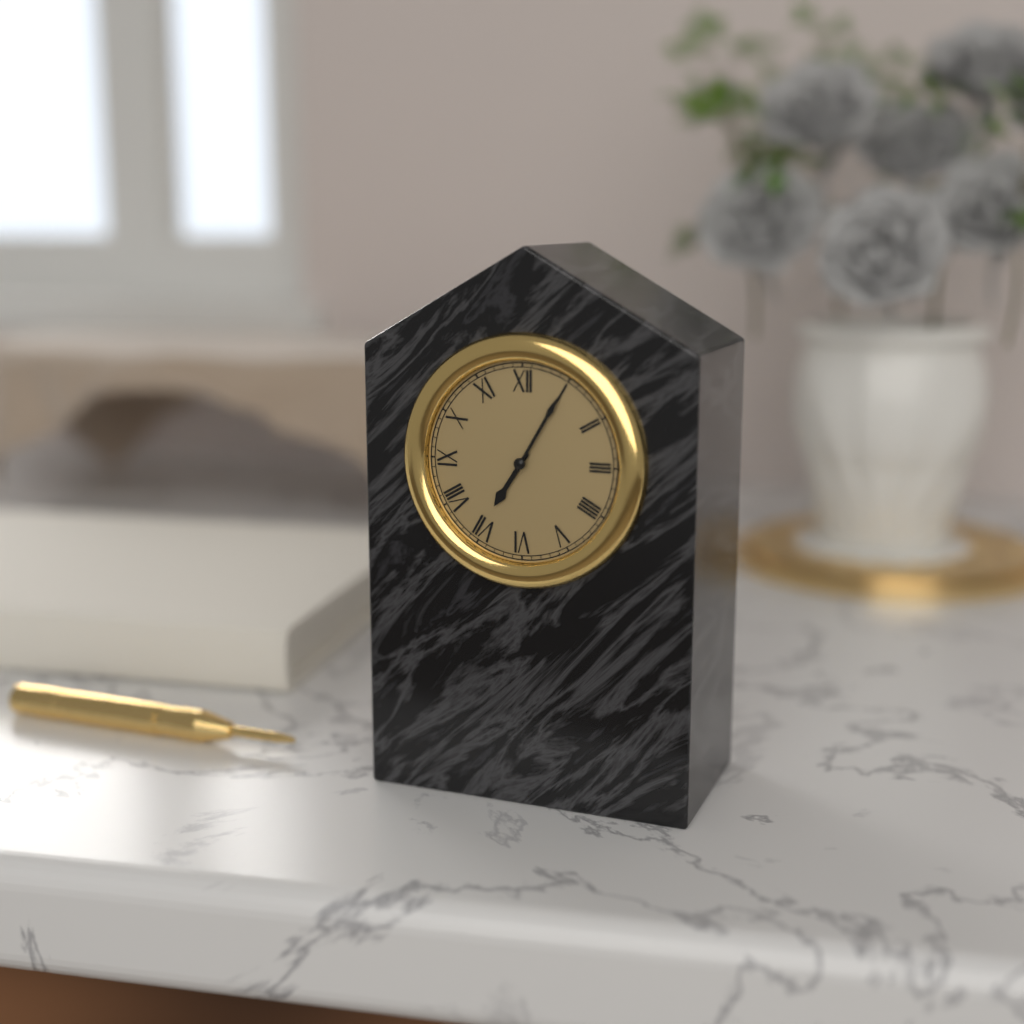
7:05
